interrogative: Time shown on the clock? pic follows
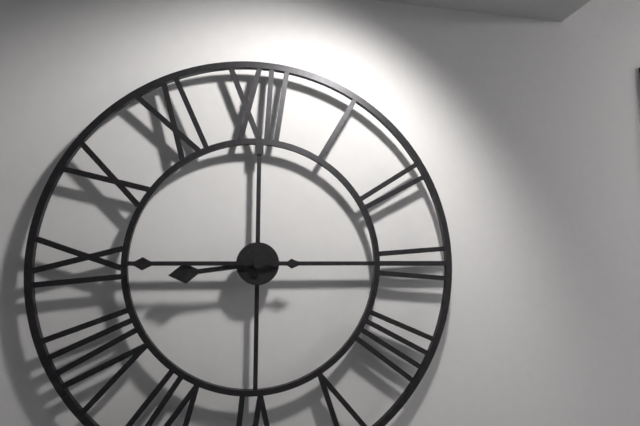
8:45
